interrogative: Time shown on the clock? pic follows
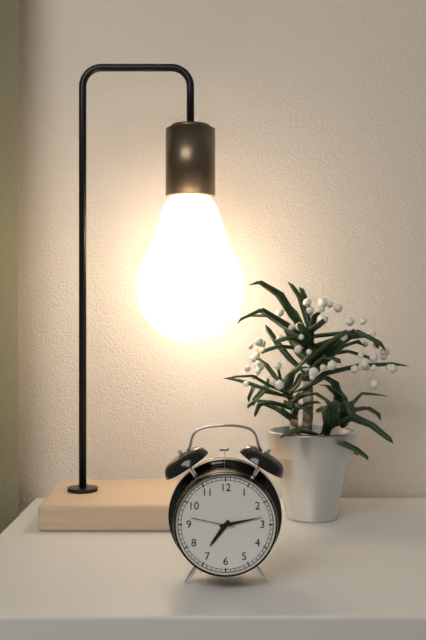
7:13
